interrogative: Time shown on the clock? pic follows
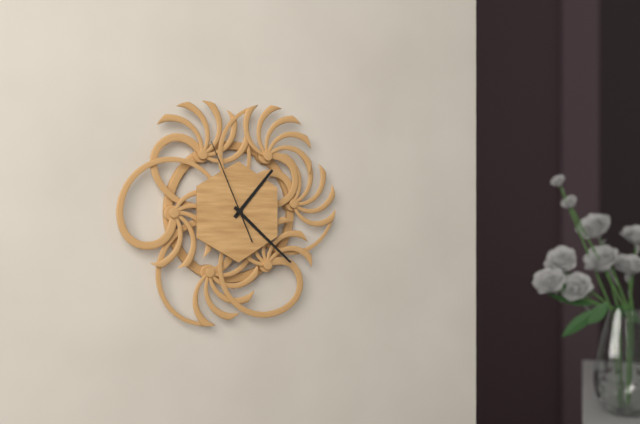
1:22:56
